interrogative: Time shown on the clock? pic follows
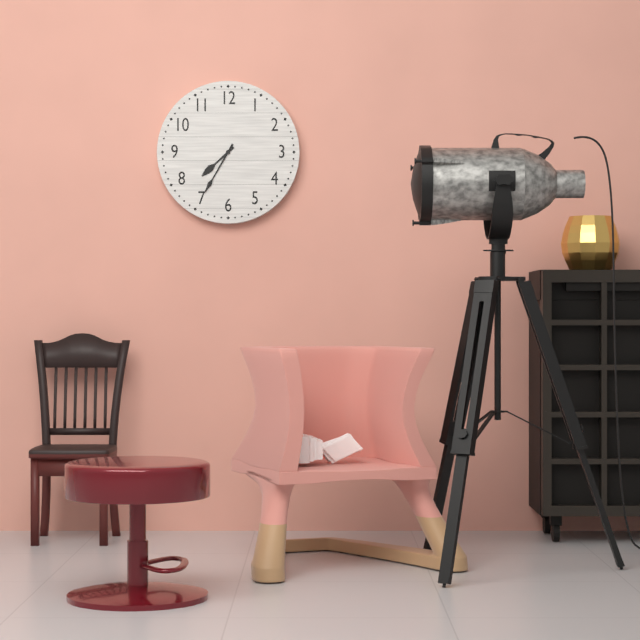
7:35
